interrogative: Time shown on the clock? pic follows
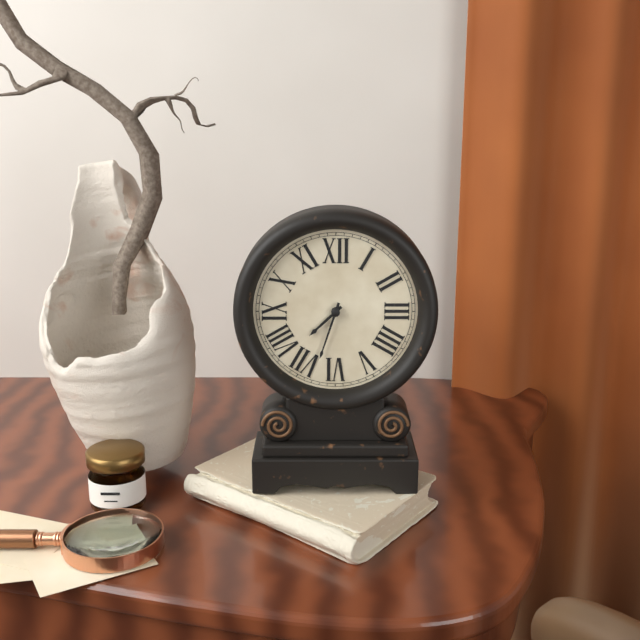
7:33
